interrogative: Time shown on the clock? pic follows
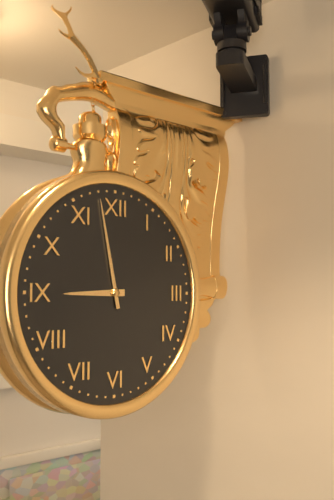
8:58
